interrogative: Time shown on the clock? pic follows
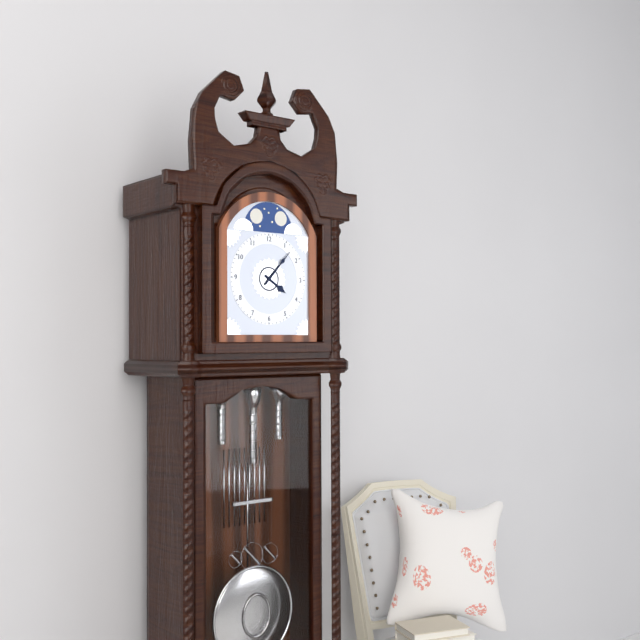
4:07
